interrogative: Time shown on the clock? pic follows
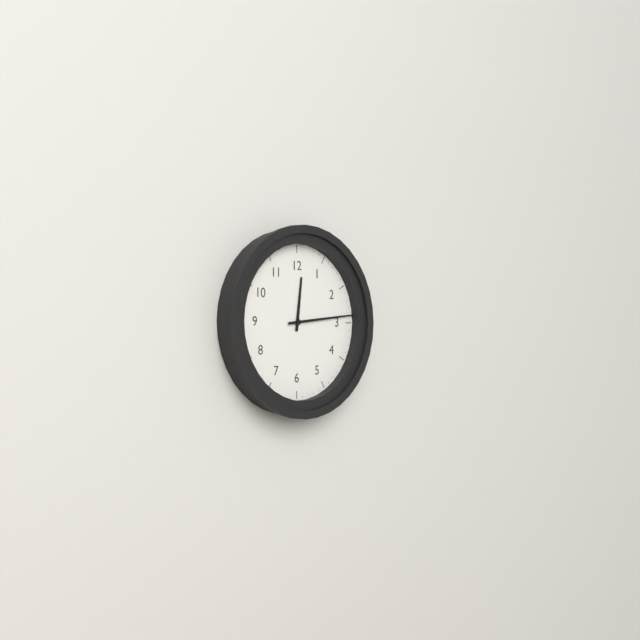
12:14
